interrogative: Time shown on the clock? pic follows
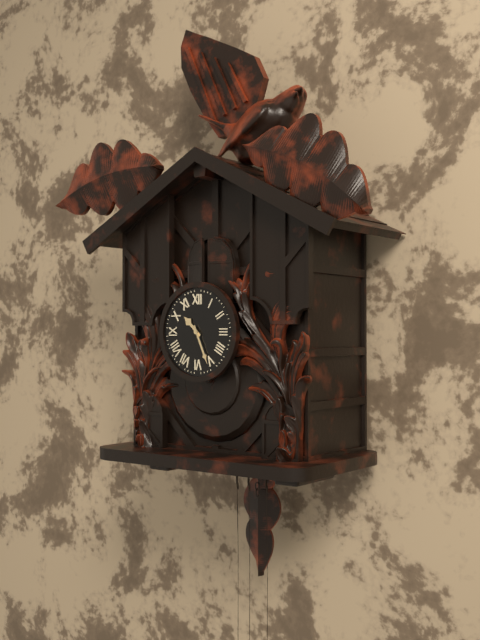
10:26
